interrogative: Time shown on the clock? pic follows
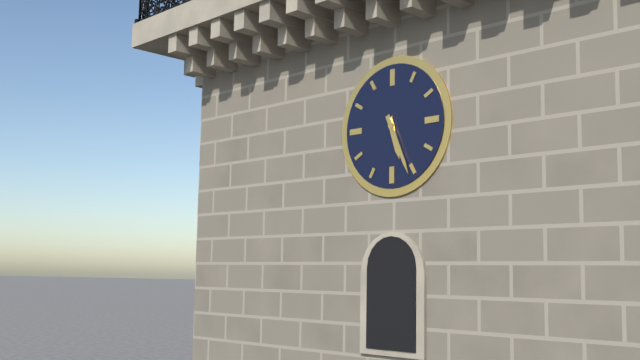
5:26
